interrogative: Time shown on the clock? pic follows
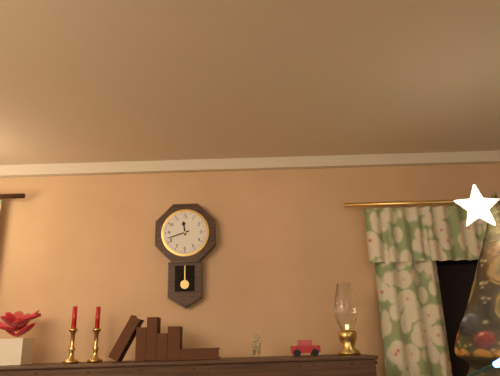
11:42
